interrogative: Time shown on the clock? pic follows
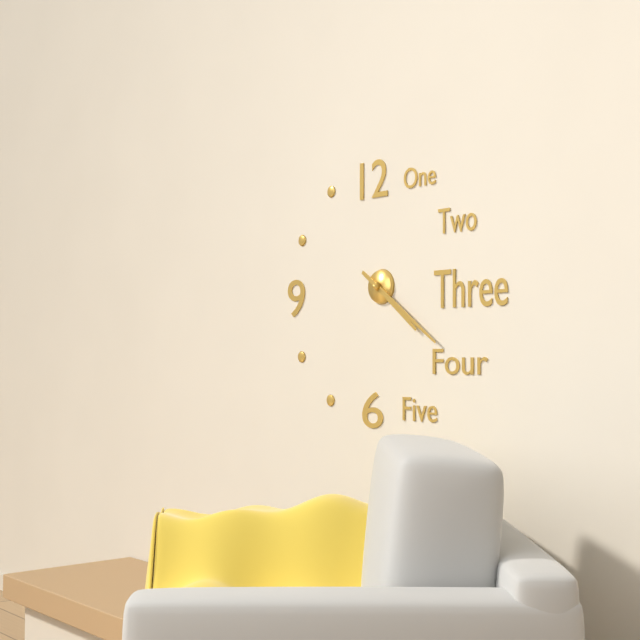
4:21
